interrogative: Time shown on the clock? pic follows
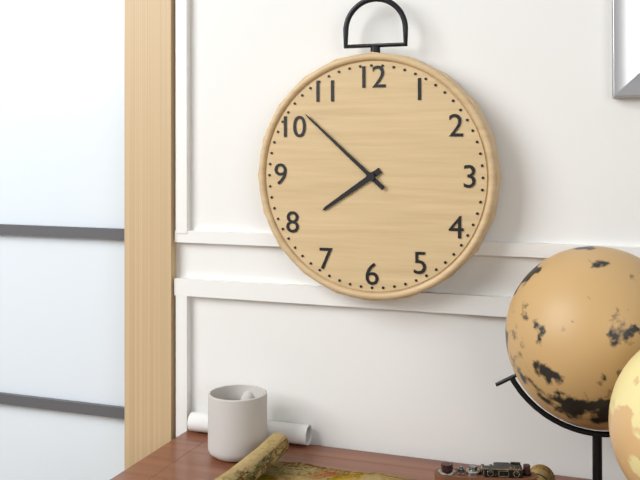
7:52
